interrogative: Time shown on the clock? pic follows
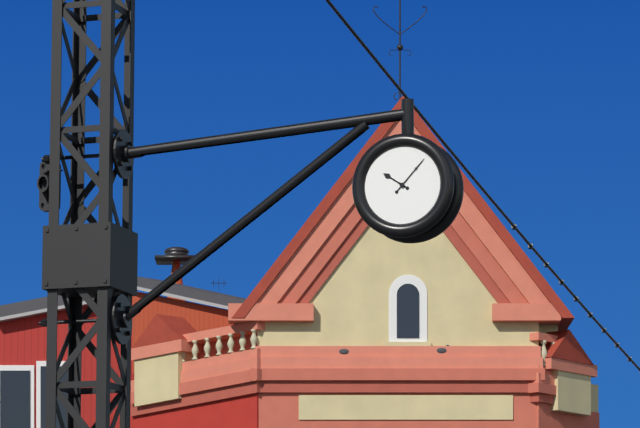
10:07
